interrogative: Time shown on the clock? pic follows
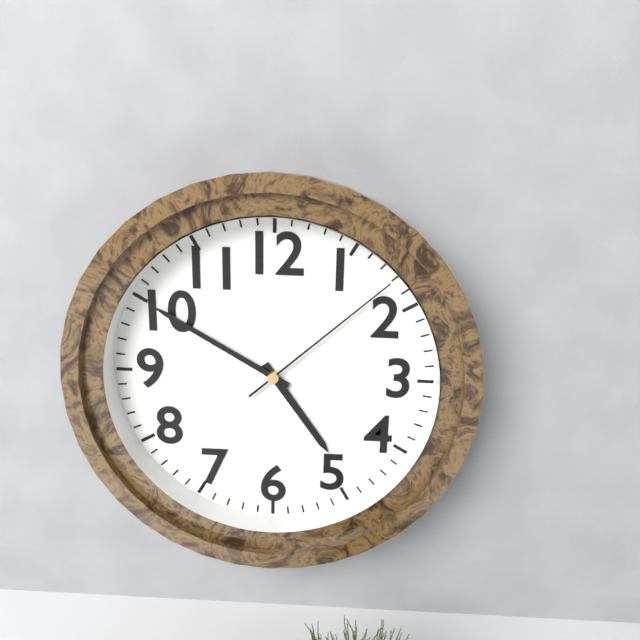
4:50:08
